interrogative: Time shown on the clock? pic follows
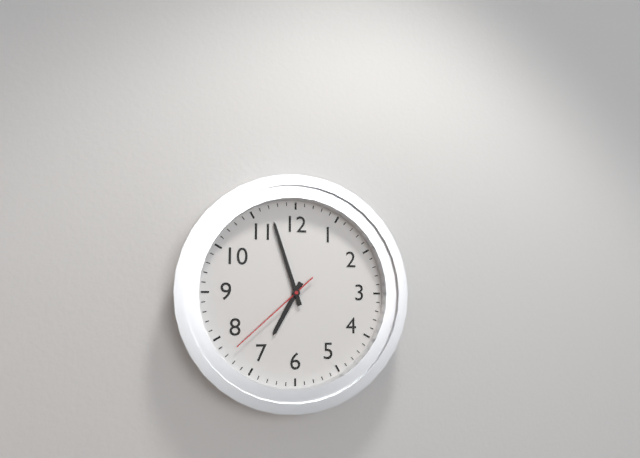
6:57:38
